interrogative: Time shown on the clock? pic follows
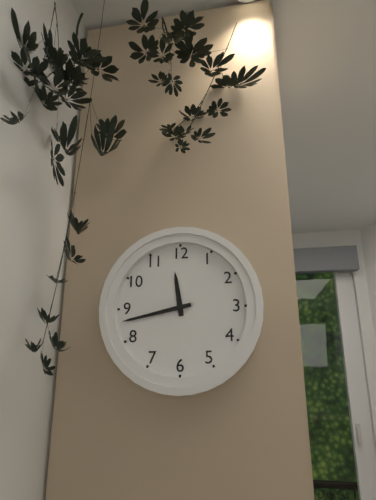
11:43
